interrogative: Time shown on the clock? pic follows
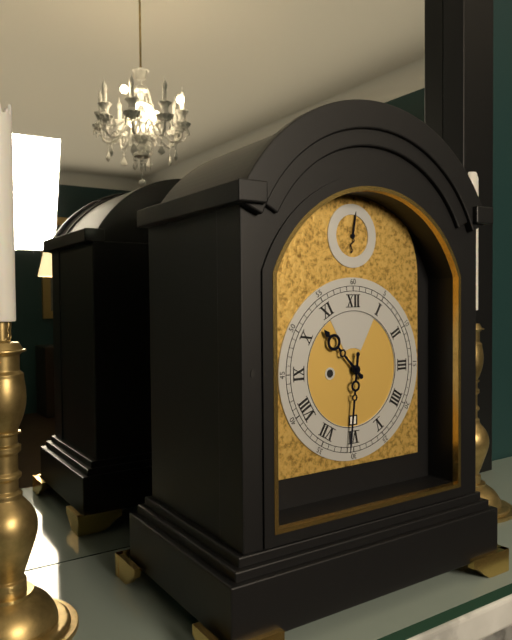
10:31
